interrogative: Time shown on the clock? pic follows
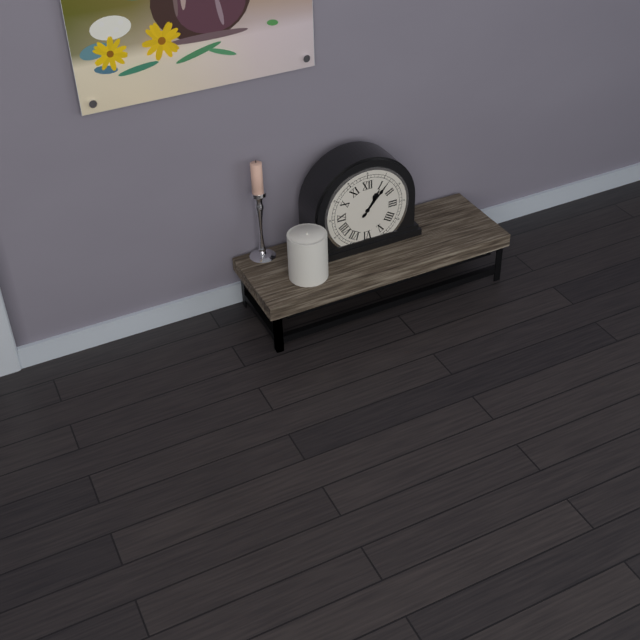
1:07
